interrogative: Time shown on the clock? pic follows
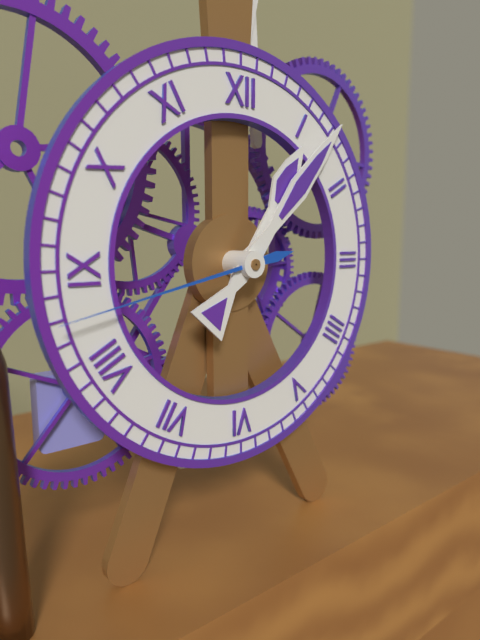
1:07:43
